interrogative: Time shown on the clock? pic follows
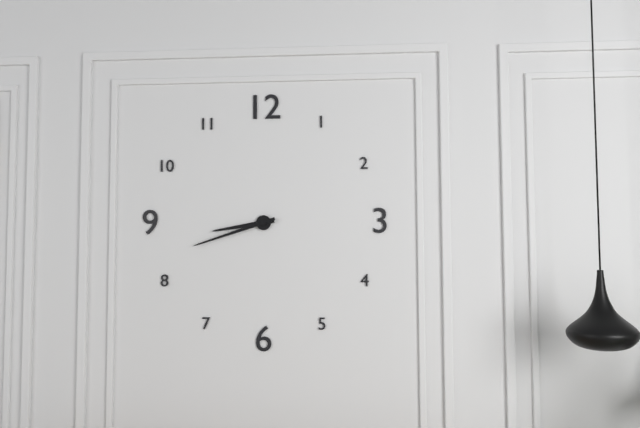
8:42
